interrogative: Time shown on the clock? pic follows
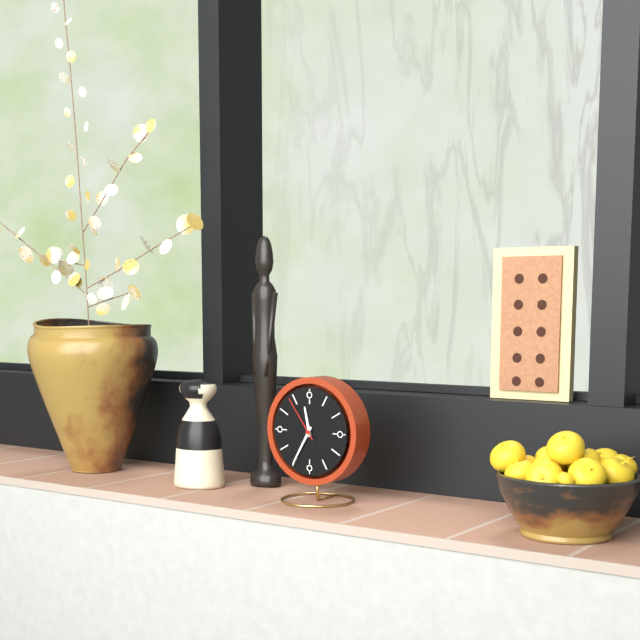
11:35
